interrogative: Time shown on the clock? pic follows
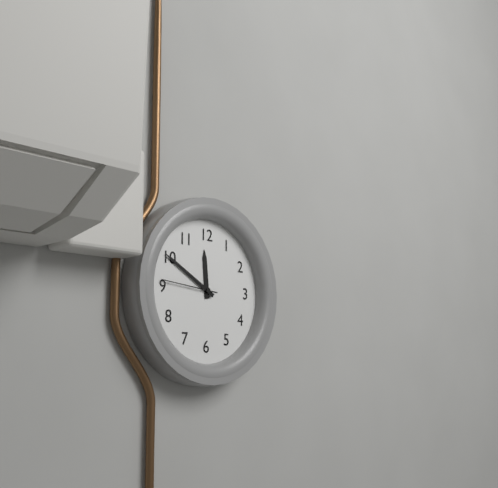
11:50:46
